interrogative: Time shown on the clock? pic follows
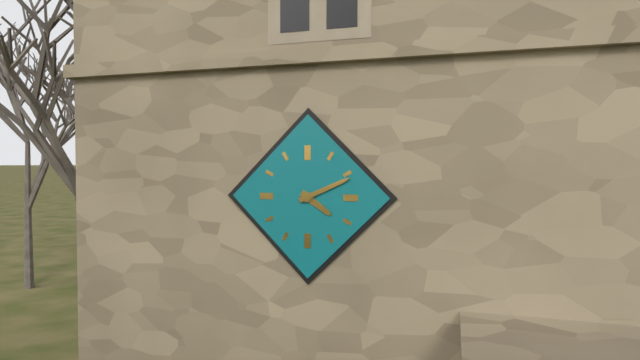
4:11
